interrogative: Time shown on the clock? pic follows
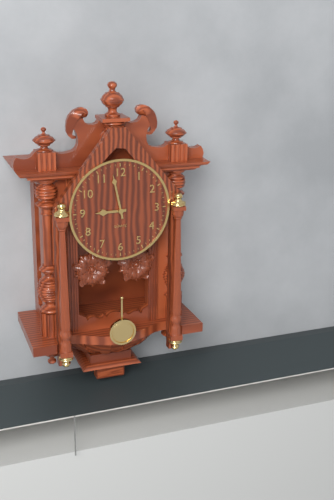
8:58
